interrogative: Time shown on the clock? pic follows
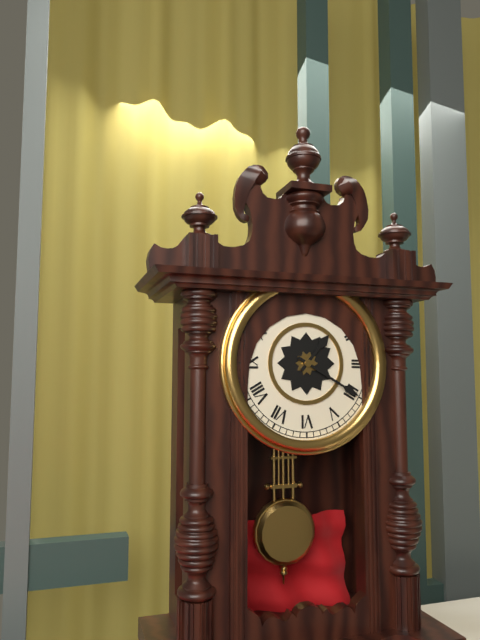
1:20
